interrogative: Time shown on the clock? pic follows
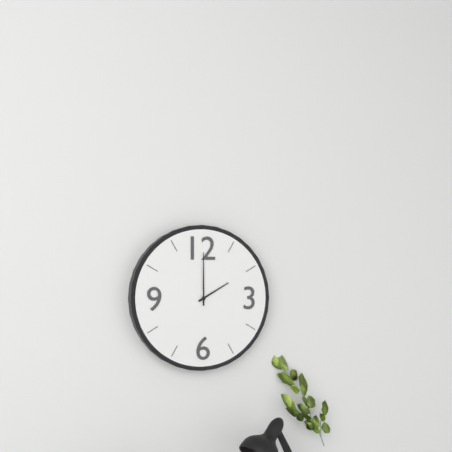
2:00
